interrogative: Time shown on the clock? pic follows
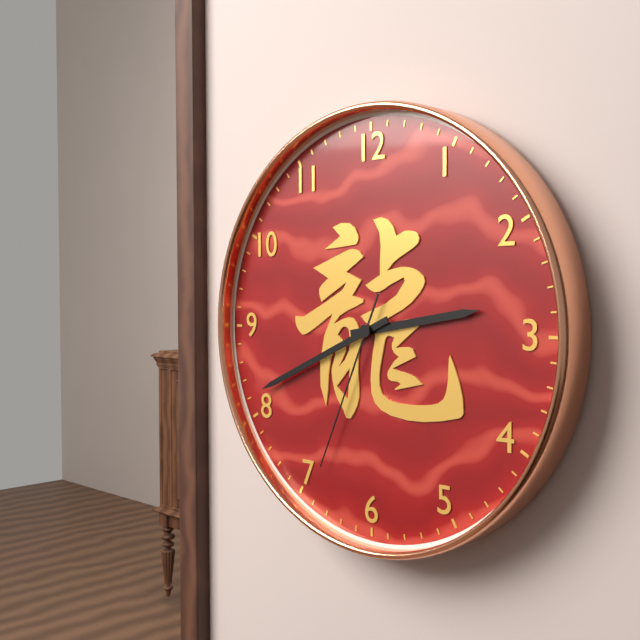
2:41:34
